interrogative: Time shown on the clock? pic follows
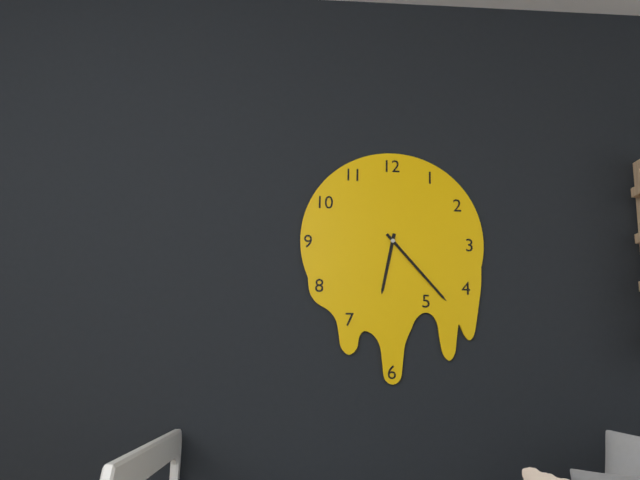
6:23
